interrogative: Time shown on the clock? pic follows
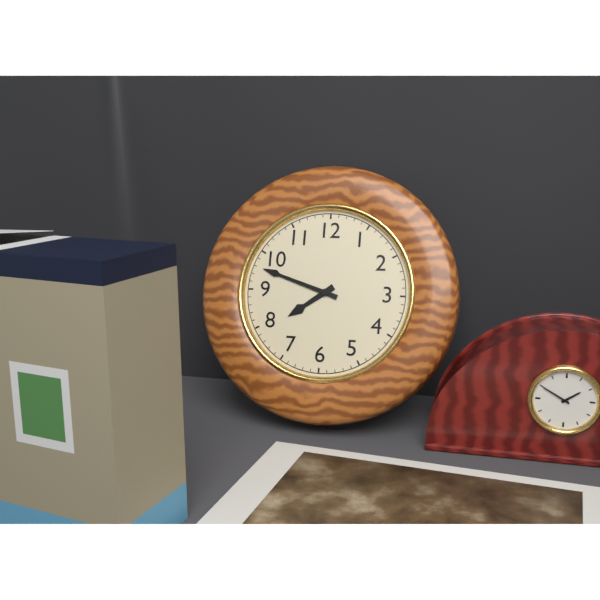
7:48
